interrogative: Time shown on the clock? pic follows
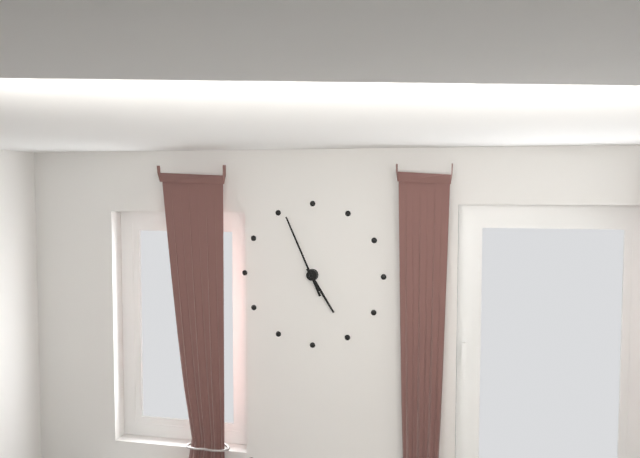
4:56
